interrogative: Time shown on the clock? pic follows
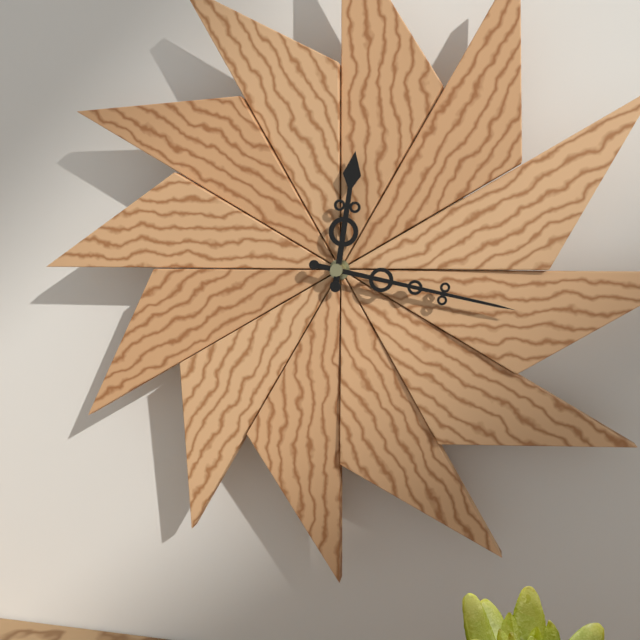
12:17
